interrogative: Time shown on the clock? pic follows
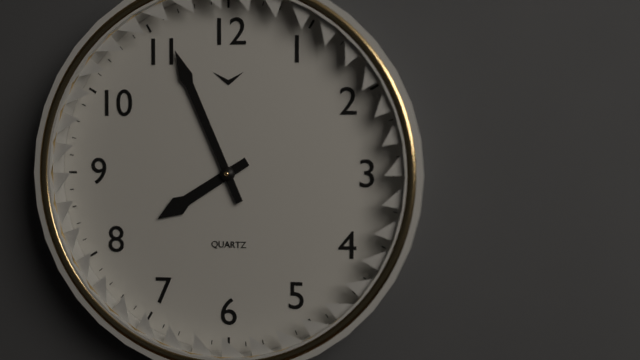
7:56
